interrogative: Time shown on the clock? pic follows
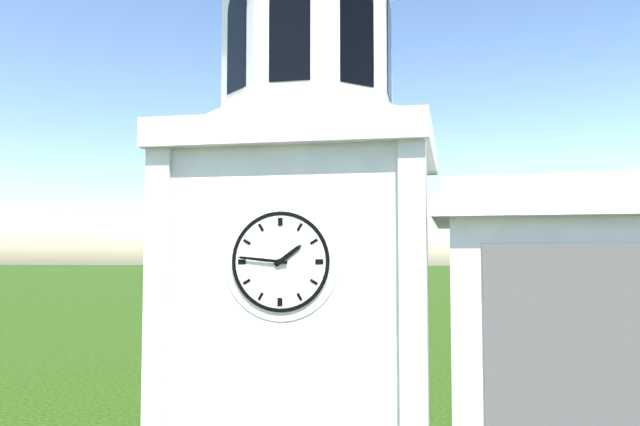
1:46
